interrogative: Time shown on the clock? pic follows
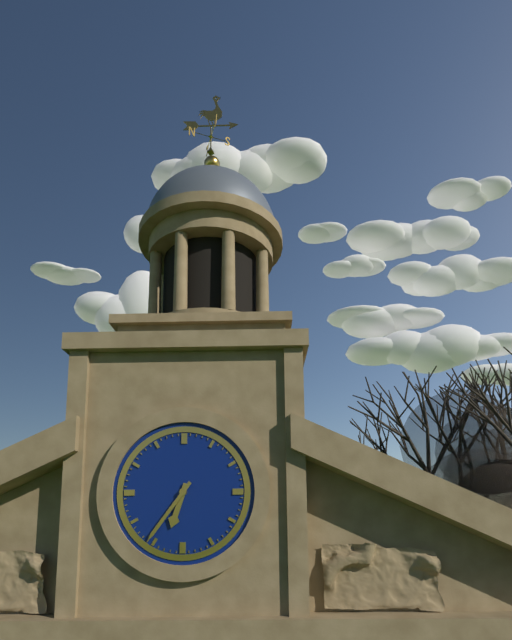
6:36
